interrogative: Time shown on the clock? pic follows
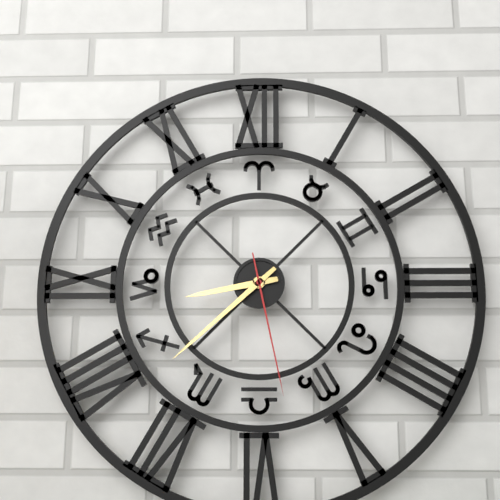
8:38:28
